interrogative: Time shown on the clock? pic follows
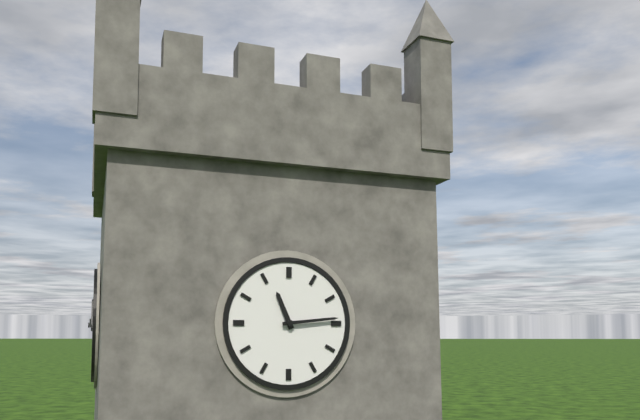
11:14
